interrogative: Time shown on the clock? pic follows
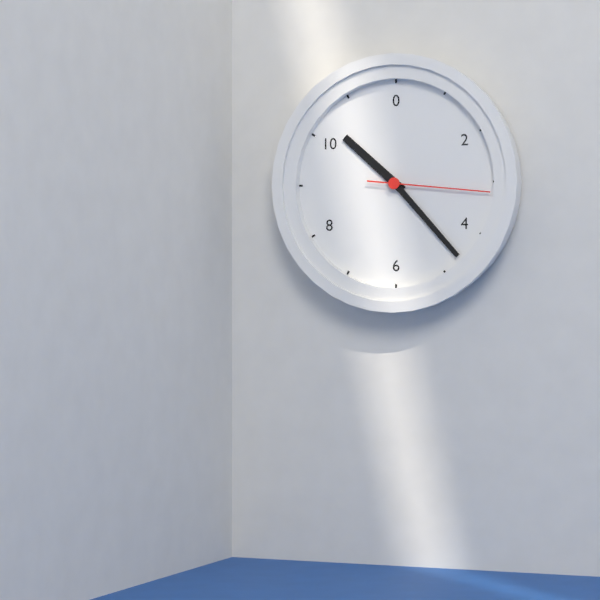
10:23:16
